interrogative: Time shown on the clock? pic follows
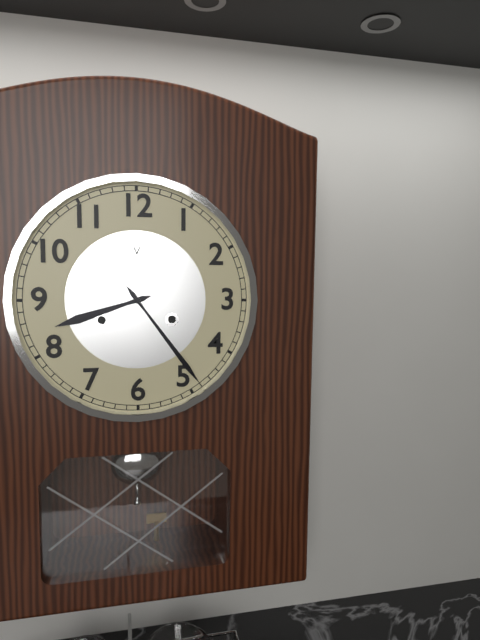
8:24
